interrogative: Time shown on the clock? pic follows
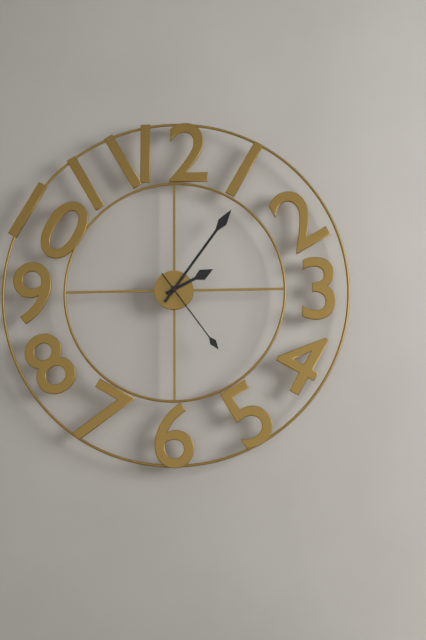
2:06:24
